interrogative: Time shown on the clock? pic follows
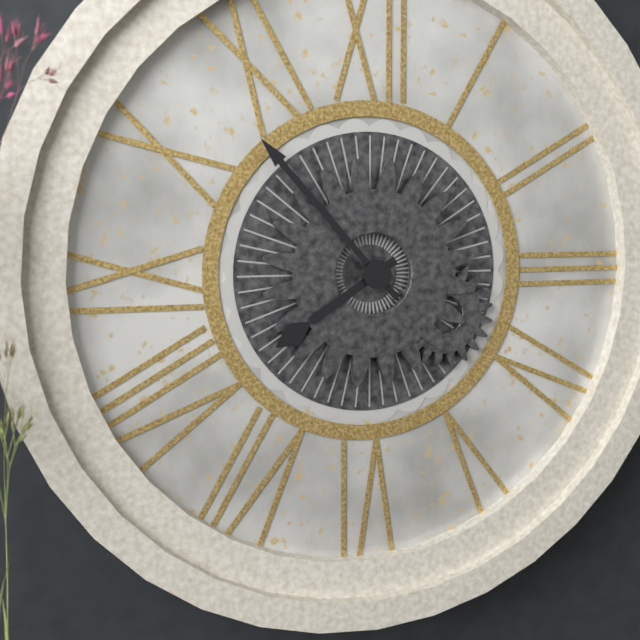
7:53
